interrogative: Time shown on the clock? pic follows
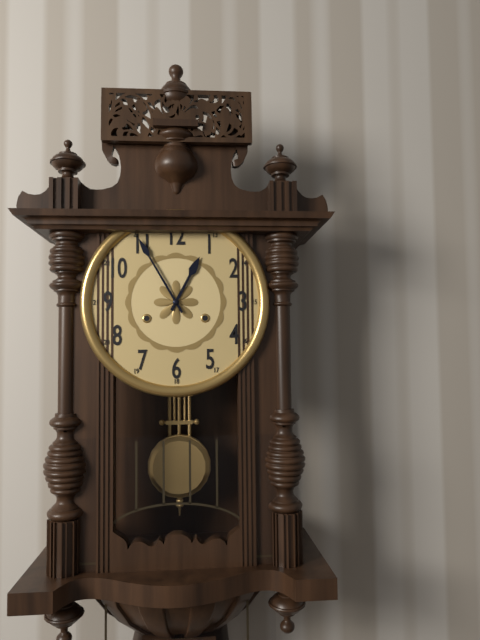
12:55
